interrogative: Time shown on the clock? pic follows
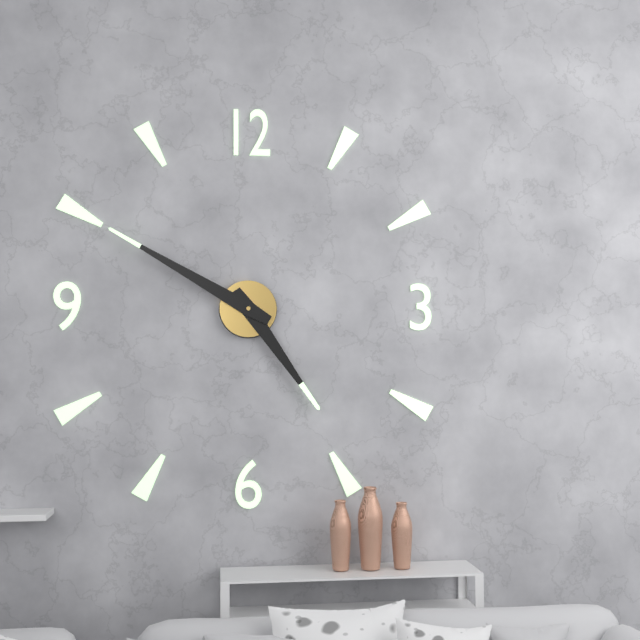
4:50
